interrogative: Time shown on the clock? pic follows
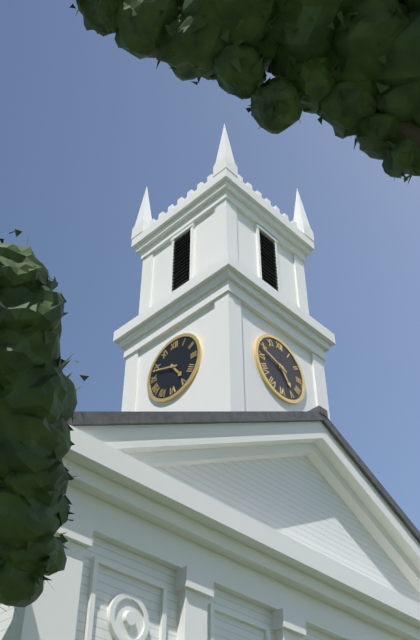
4:48
